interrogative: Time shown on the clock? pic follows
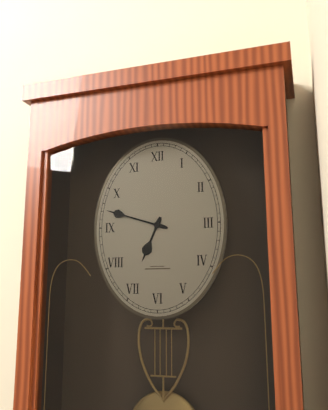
6:48
